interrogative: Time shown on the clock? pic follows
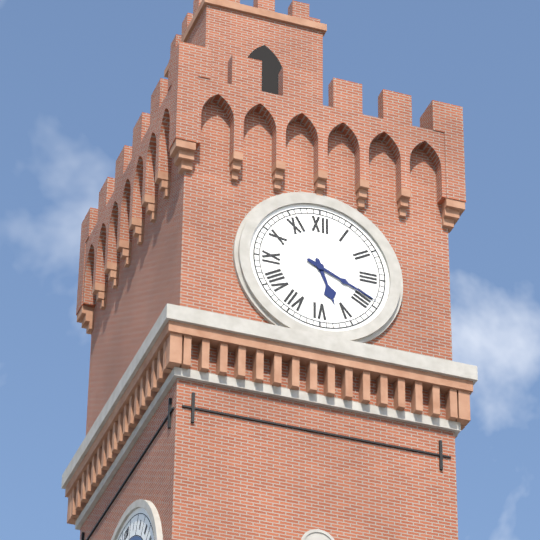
5:19
